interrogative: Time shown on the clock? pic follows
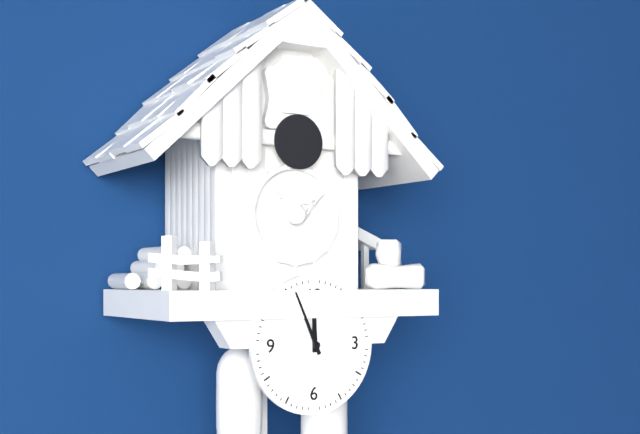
11:56
